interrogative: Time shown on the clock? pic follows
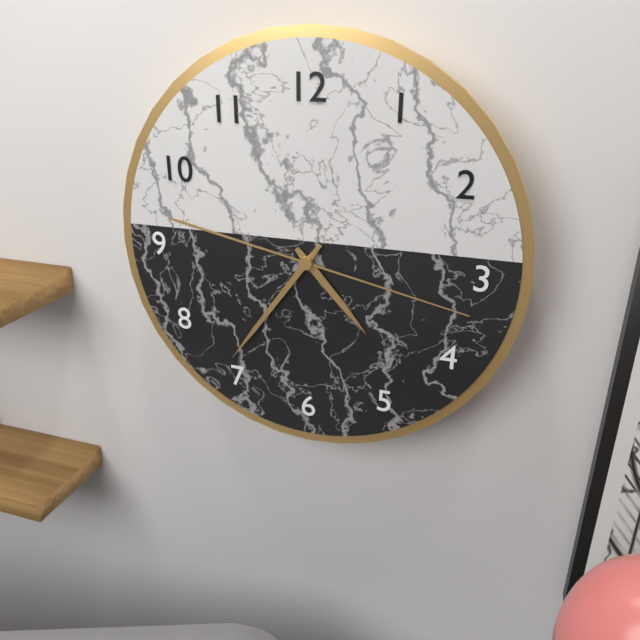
4:36:17
